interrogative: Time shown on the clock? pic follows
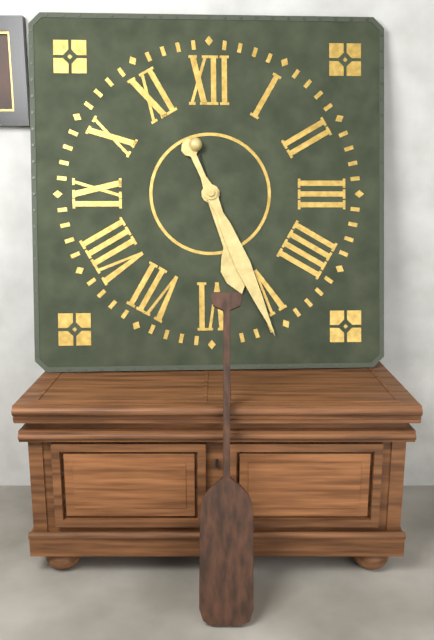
5:26
